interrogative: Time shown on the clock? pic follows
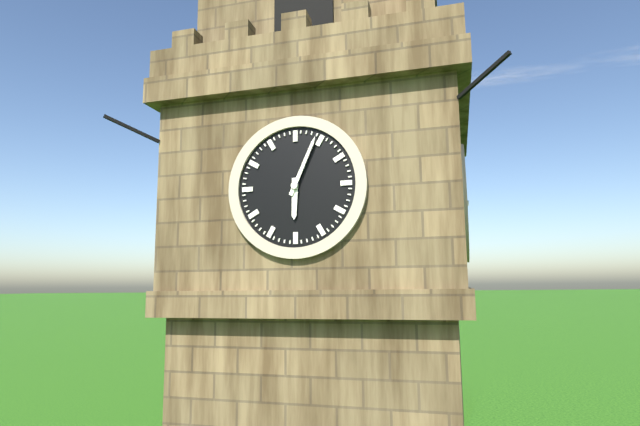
6:04
